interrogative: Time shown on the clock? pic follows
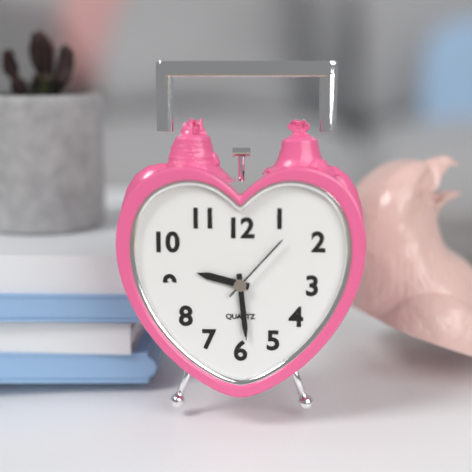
9:29:07
